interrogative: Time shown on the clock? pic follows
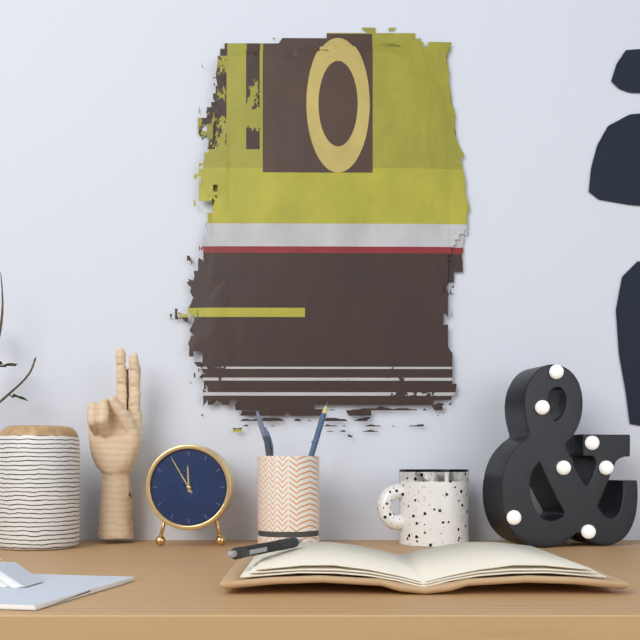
11:55
